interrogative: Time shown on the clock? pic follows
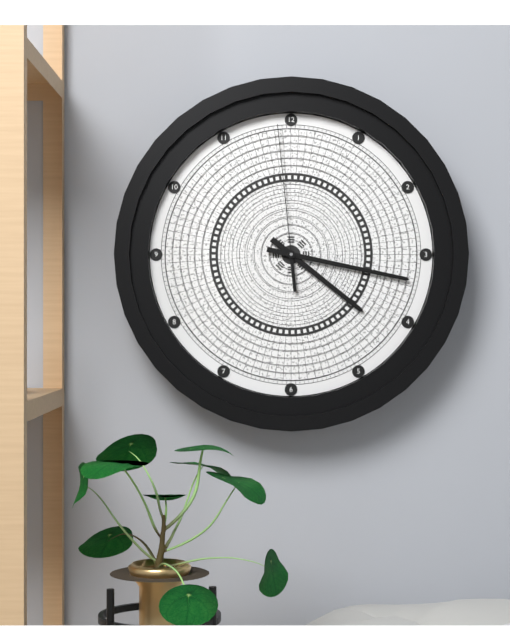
4:17:59
